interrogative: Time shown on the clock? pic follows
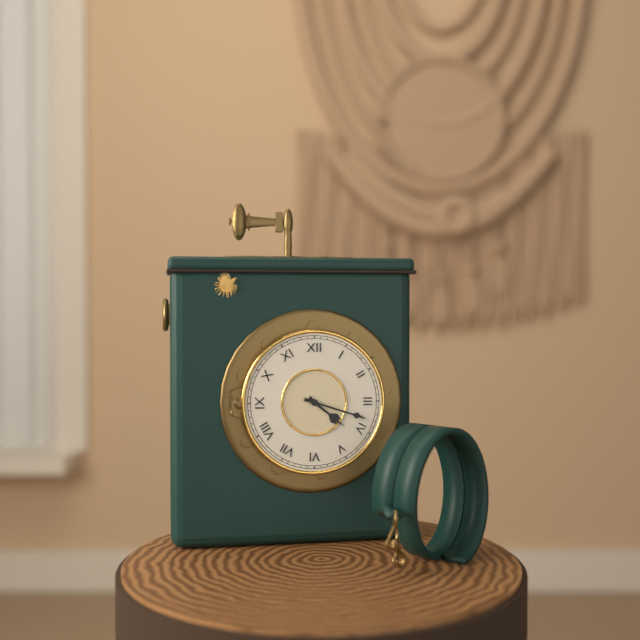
4:18
